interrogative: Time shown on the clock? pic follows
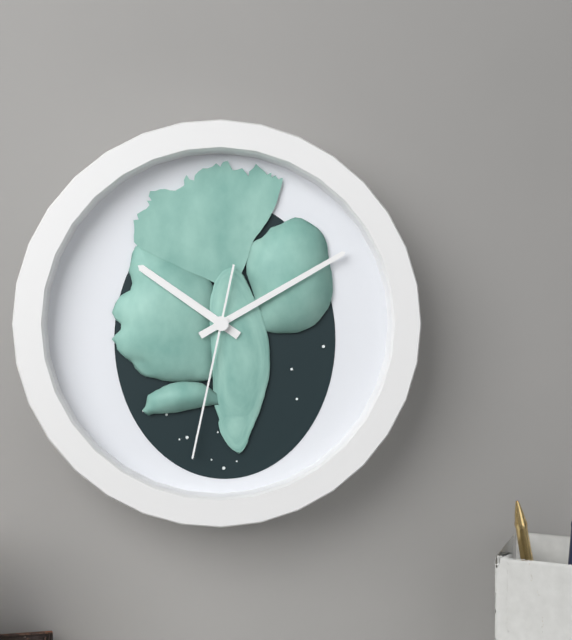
10:10:32
